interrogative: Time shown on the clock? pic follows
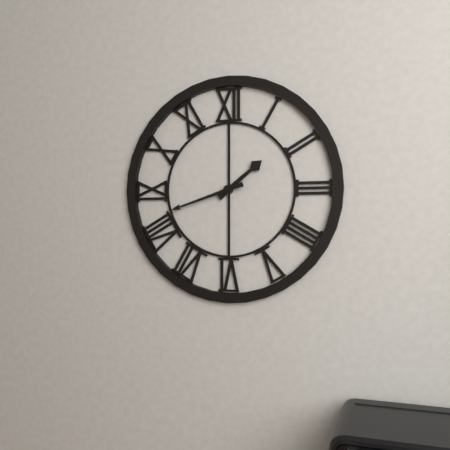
1:42
